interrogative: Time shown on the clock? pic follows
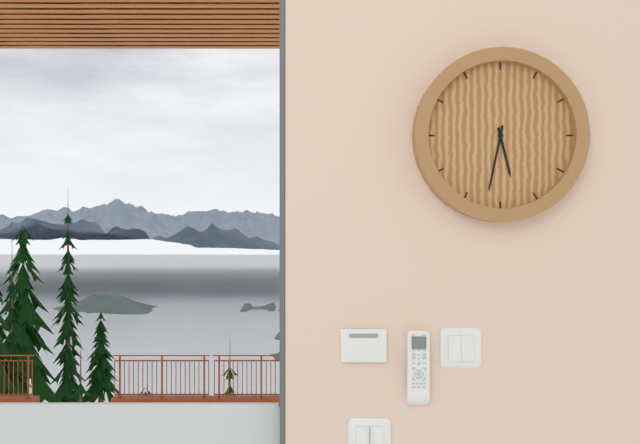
5:32
